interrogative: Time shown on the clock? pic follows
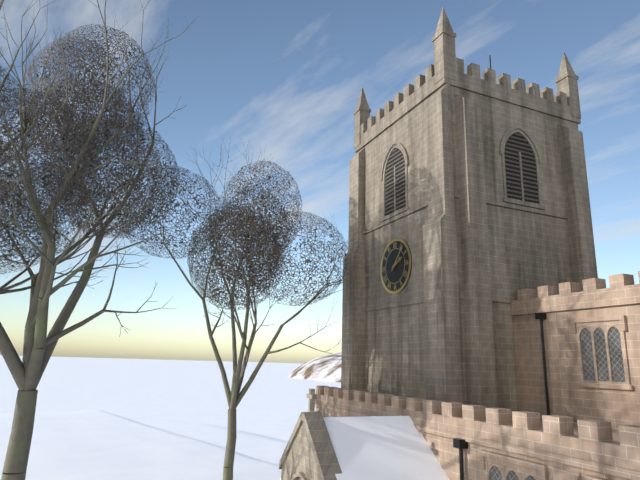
2:07
